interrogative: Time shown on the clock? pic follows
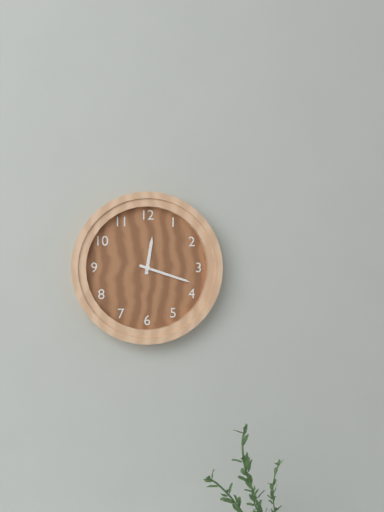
12:18
